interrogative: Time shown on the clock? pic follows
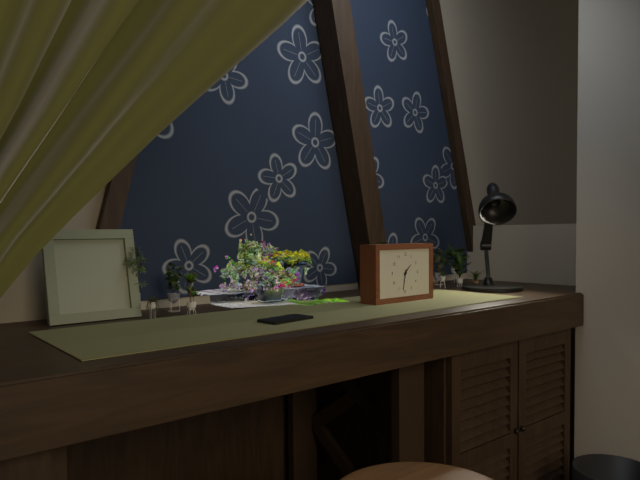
1:32
